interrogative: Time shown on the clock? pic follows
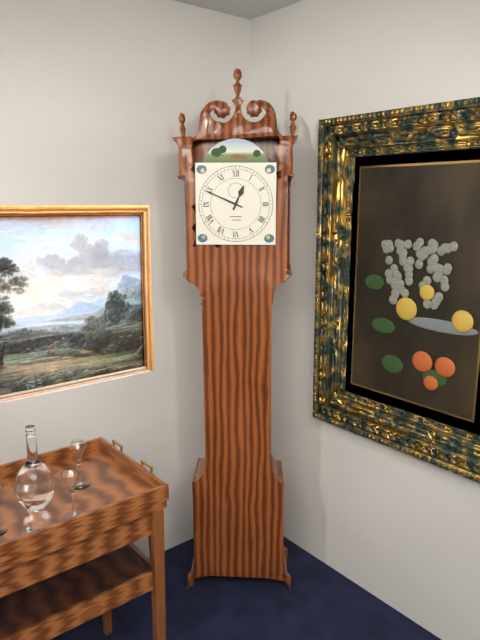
12:49
